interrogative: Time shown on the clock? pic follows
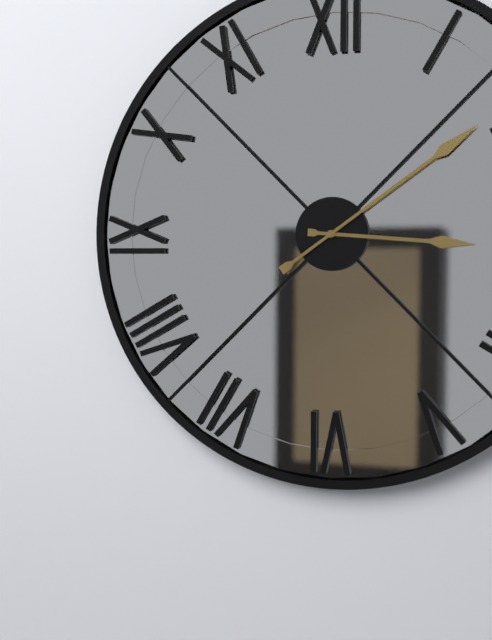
3:09
